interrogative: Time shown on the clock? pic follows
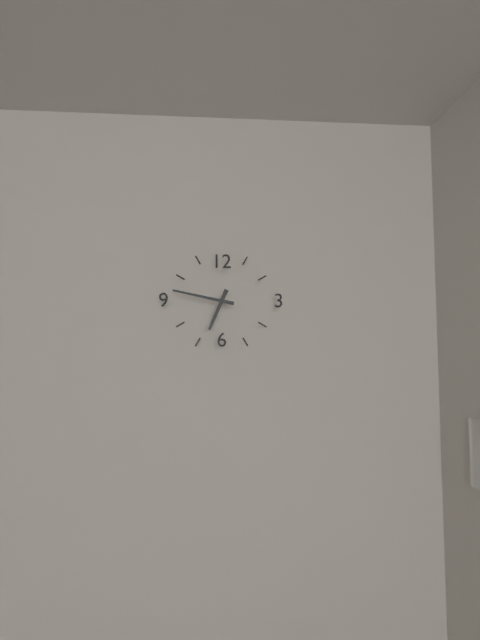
6:47
